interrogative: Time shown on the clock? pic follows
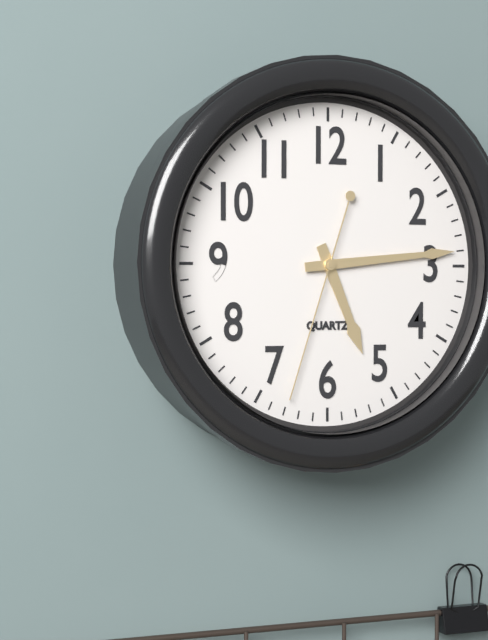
5:14:33
